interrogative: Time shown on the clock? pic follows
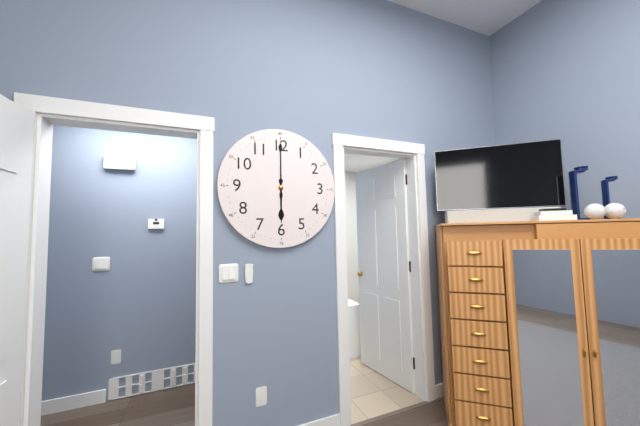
6:00
